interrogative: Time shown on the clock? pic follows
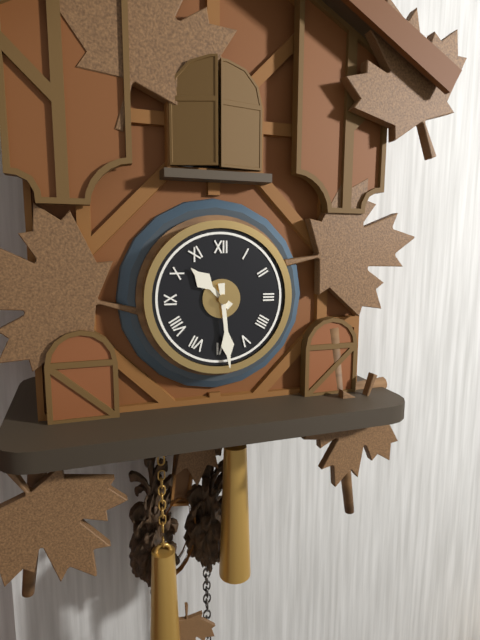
10:29
